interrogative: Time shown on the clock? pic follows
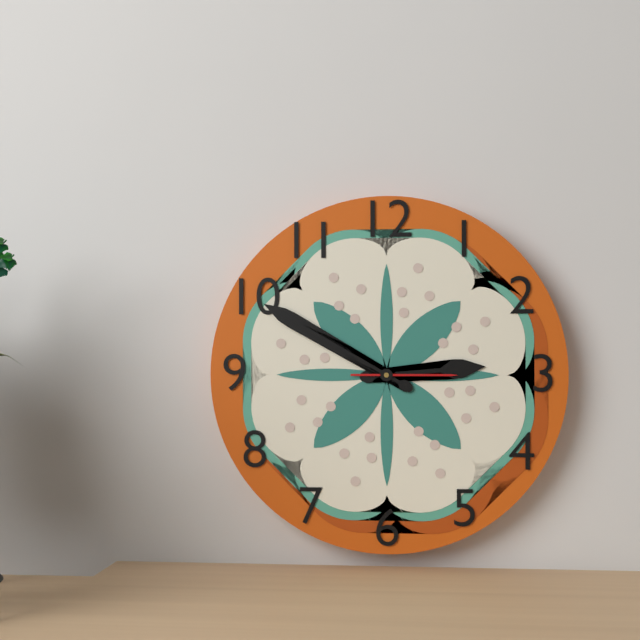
2:50:15
